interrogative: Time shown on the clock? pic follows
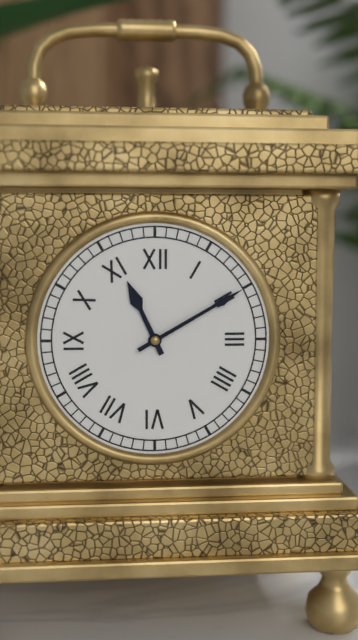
11:10
